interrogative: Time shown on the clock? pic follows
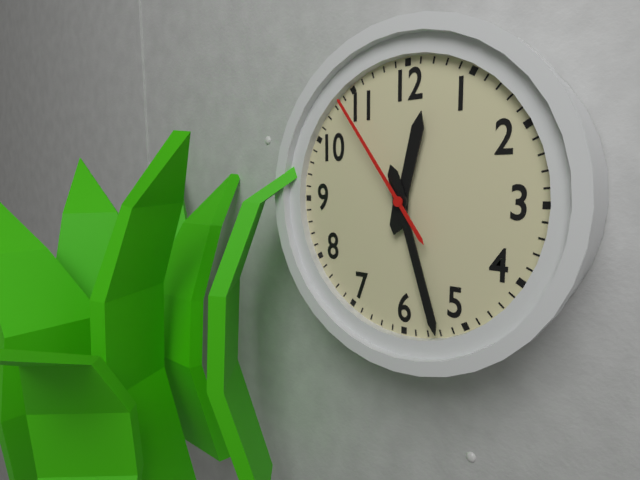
12:27:54
